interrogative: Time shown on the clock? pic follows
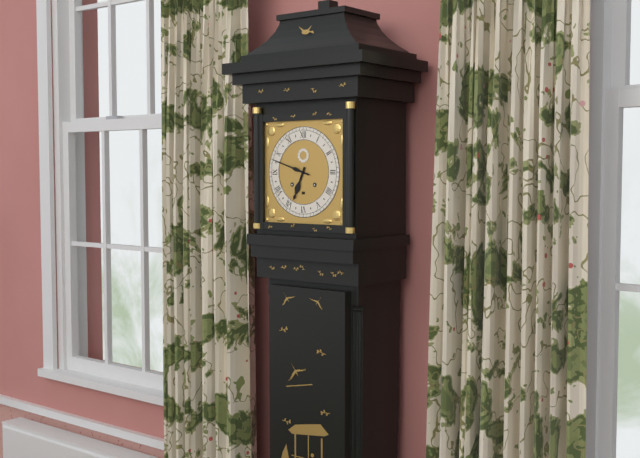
6:48
